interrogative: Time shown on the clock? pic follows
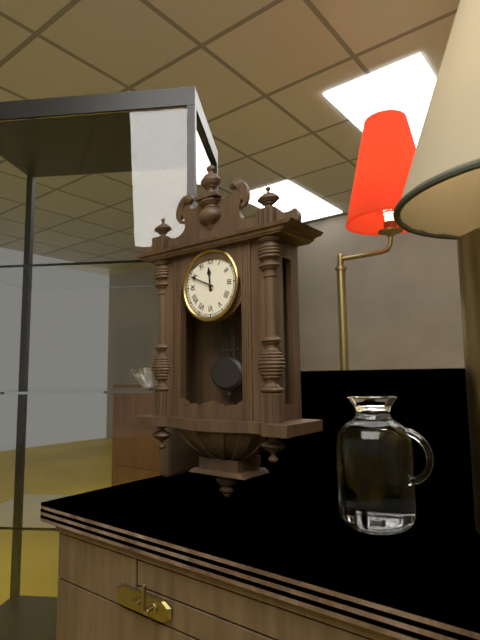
11:49
